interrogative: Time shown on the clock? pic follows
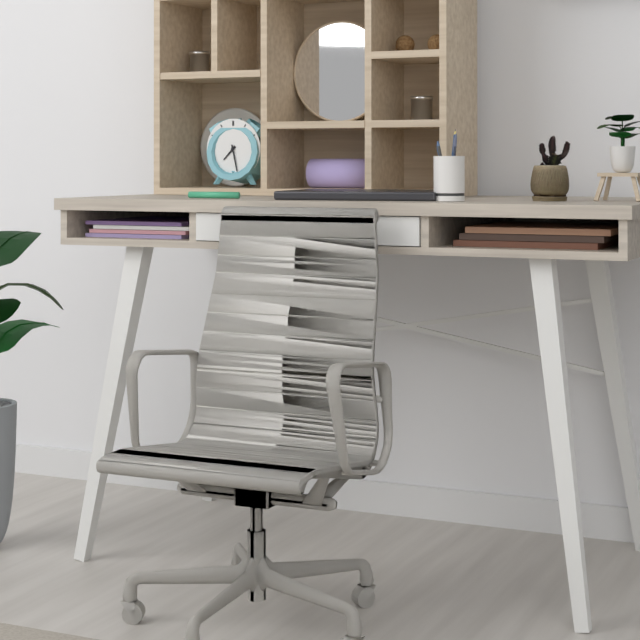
7:28
